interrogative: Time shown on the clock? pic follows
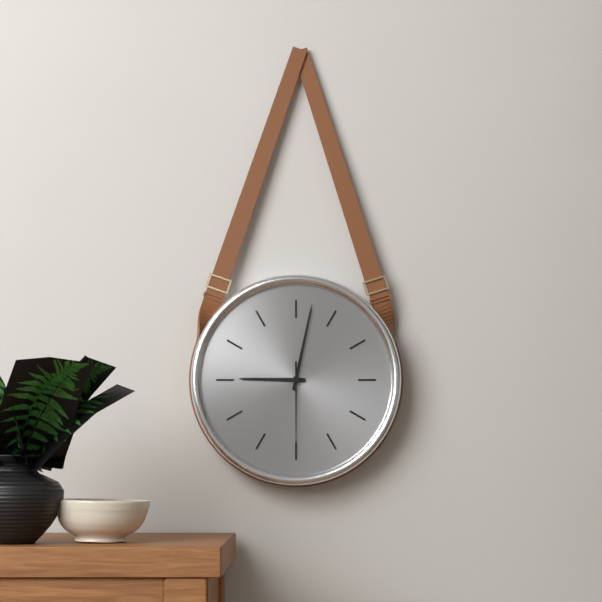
9:02:30
